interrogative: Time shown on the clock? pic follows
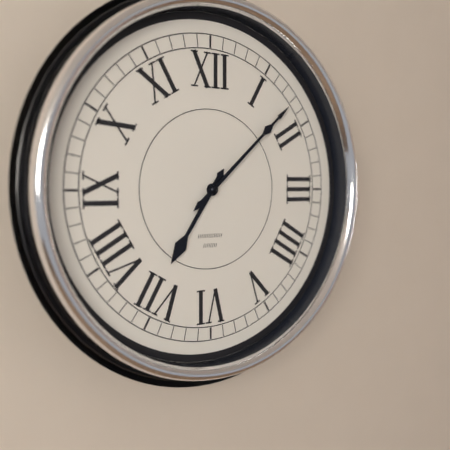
7:08
